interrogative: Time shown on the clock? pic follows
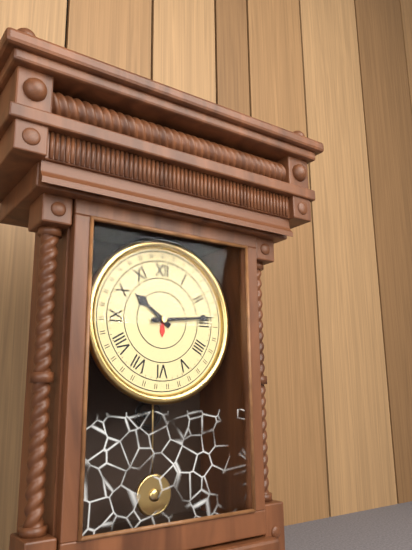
10:14
